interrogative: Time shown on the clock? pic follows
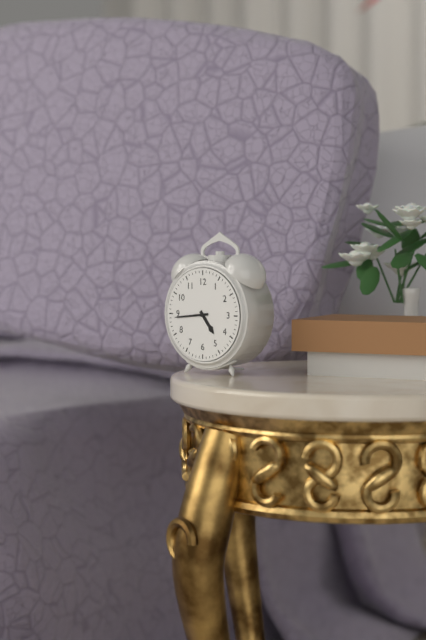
4:44
